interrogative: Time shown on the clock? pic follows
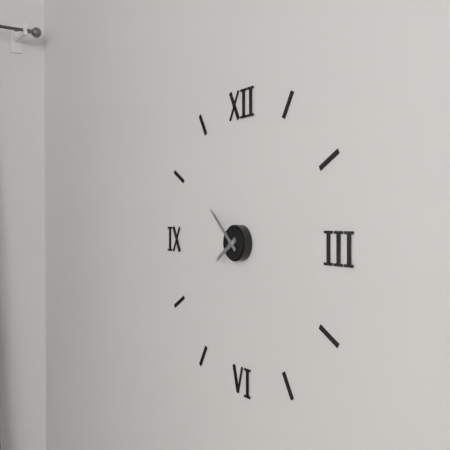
7:52
